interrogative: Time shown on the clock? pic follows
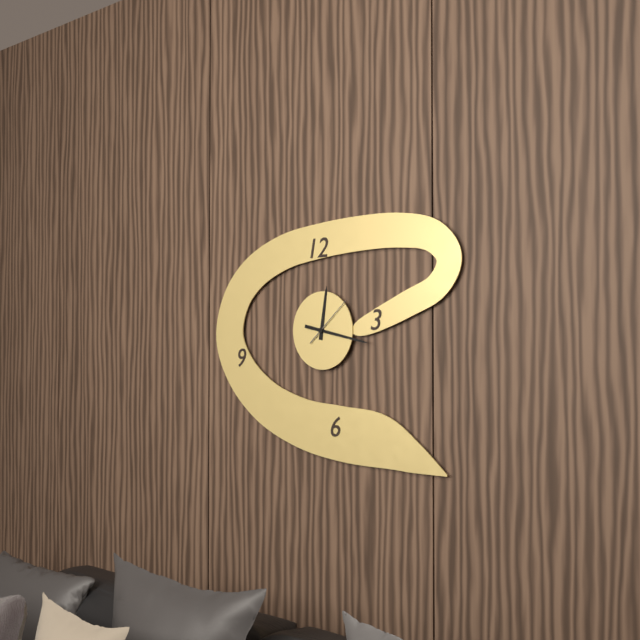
12:17:08
